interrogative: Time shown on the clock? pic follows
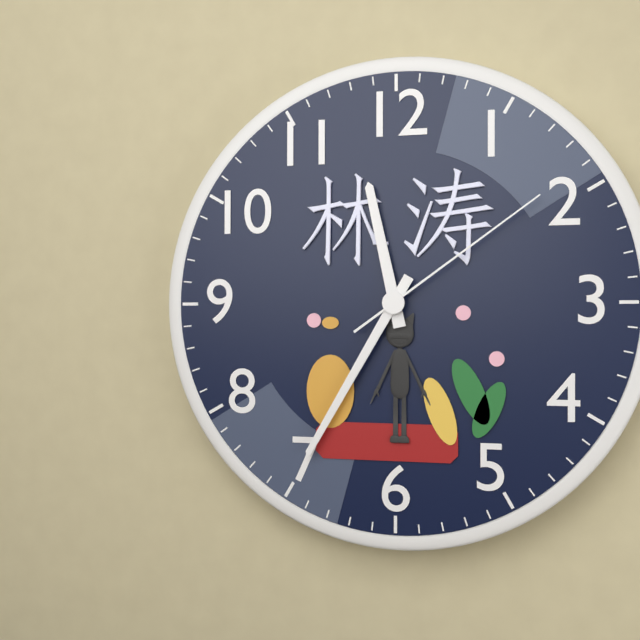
11:35:09
